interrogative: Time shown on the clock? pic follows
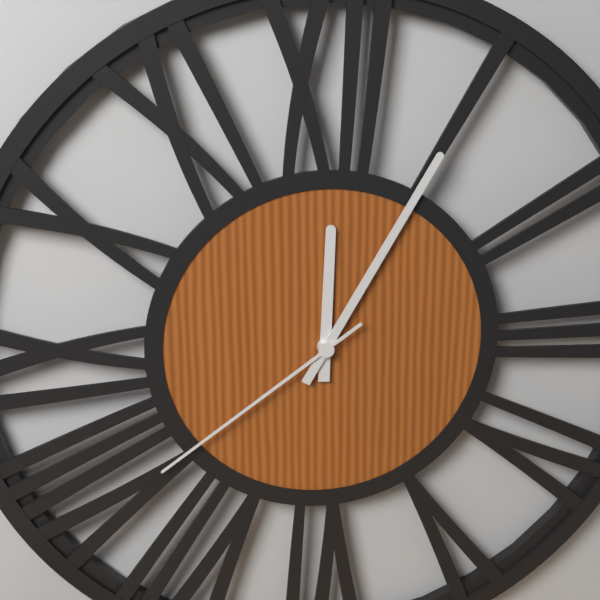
12:05:39
